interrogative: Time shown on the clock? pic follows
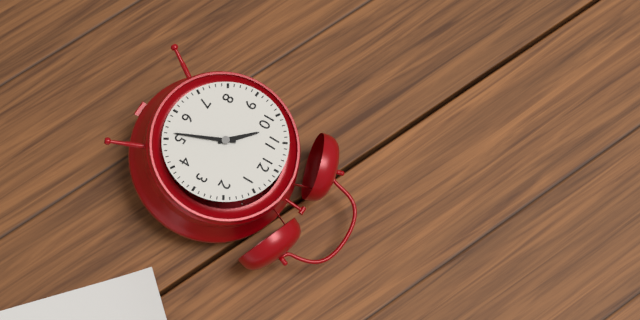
10:26
